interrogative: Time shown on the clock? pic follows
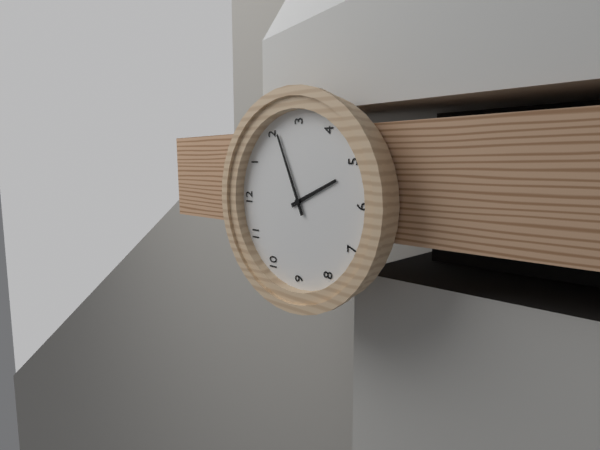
5:11
